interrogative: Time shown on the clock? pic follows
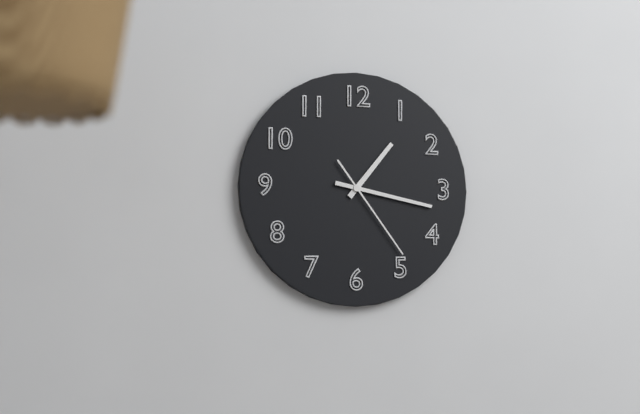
1:17:24
